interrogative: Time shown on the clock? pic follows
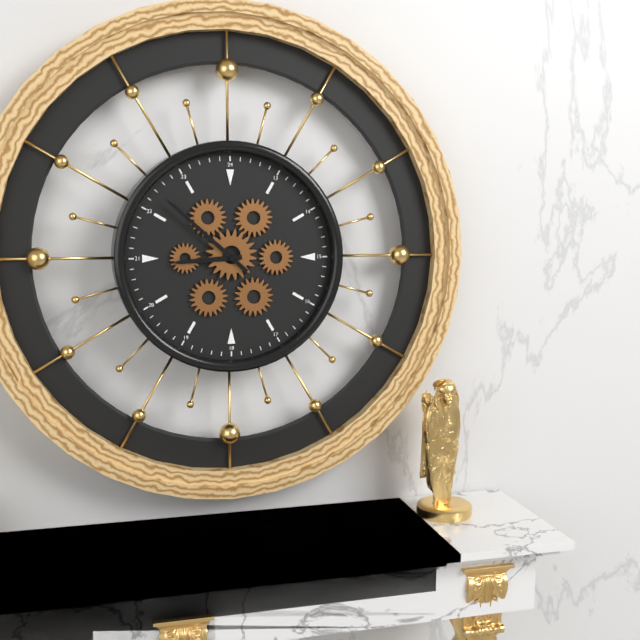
8:52
